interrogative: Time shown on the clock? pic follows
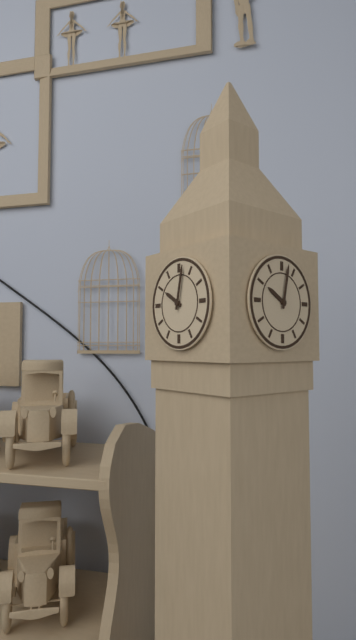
10:02
